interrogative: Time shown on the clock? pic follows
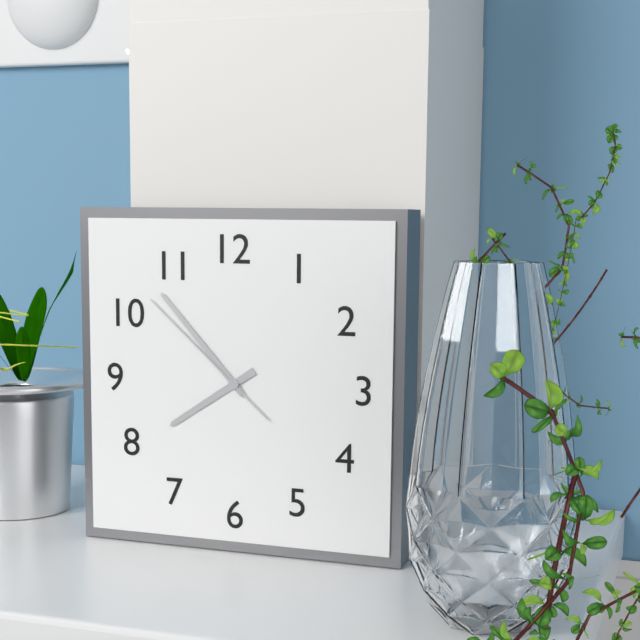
7:53:52
